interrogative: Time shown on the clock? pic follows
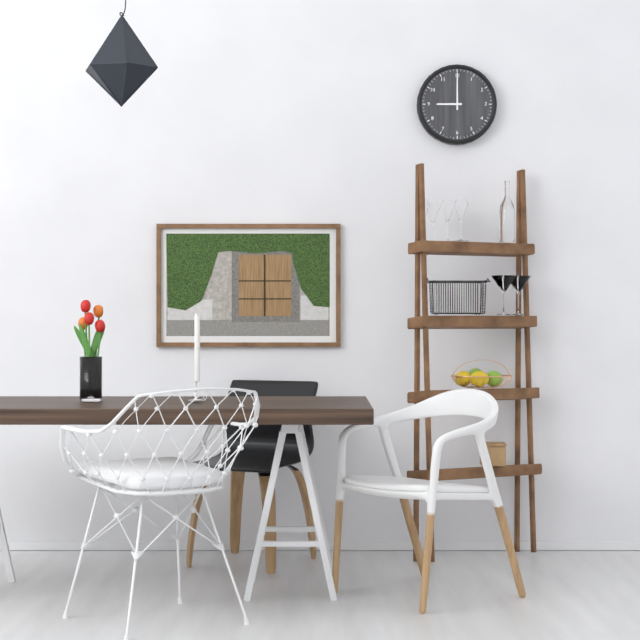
9:00
